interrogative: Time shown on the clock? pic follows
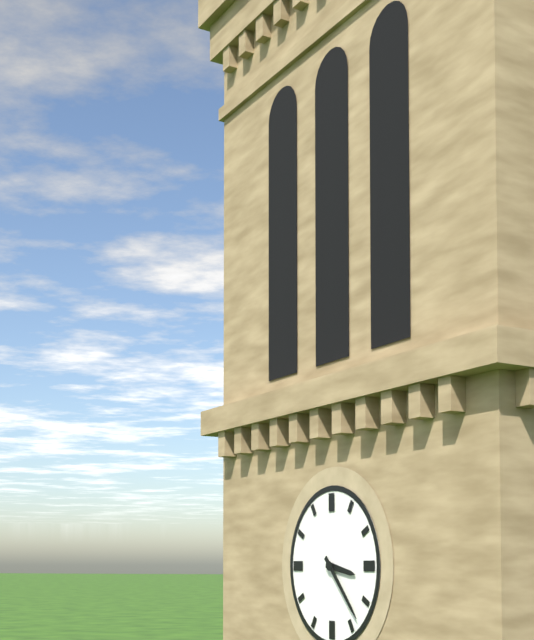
3:23
